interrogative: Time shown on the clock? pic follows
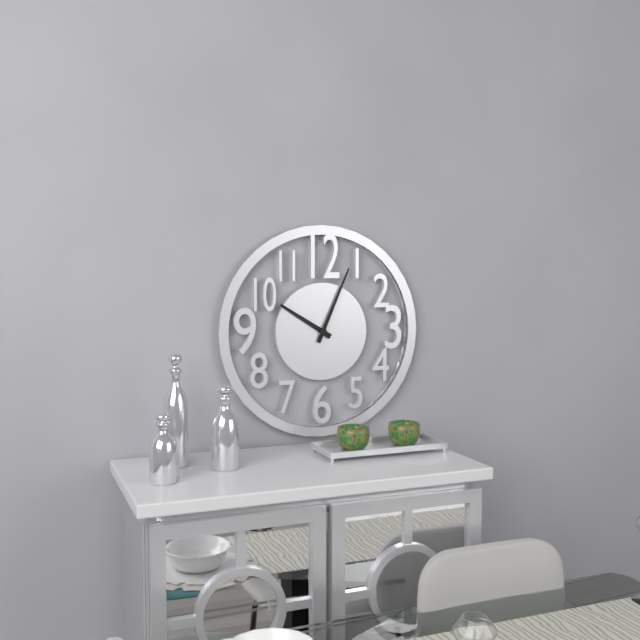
10:04
